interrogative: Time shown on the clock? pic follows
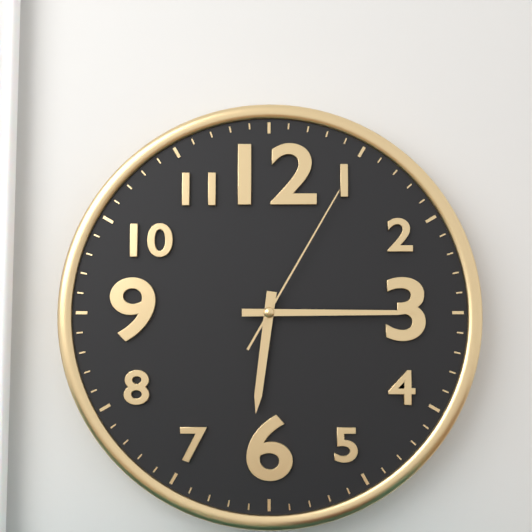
6:15:05
